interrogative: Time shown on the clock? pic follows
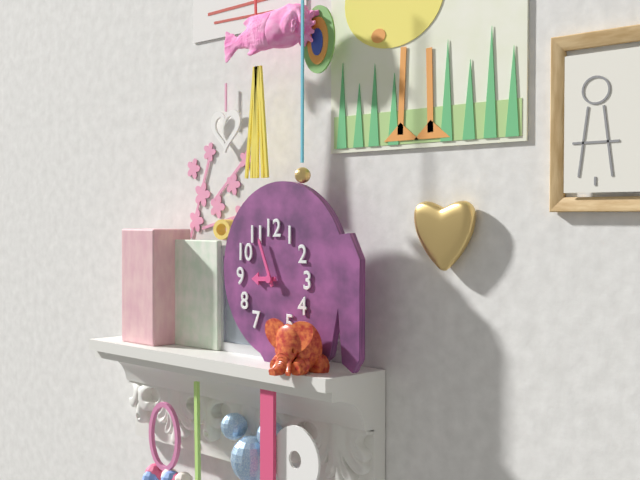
8:56
